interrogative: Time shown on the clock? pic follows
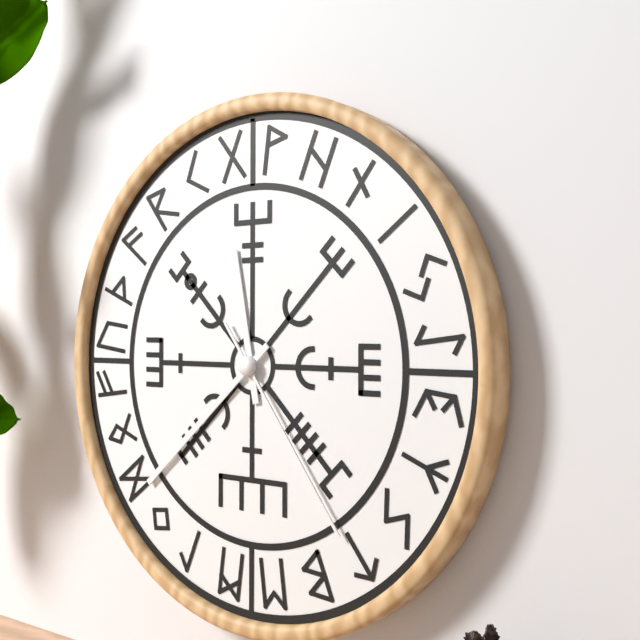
11:38:24
